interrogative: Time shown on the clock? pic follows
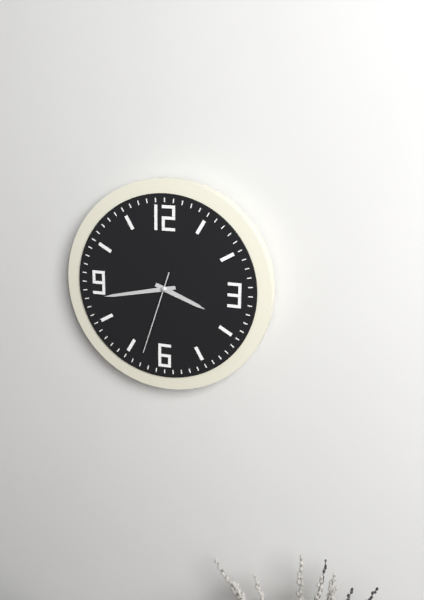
3:43:33
